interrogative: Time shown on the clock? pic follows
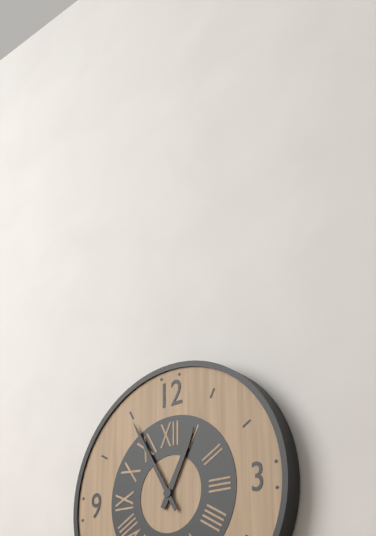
12:55
